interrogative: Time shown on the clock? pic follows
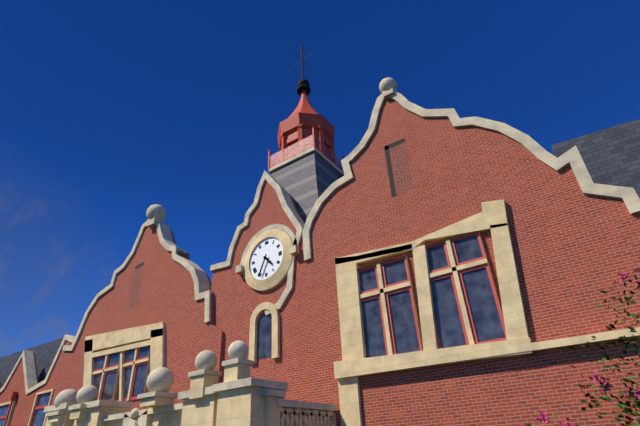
4:34
